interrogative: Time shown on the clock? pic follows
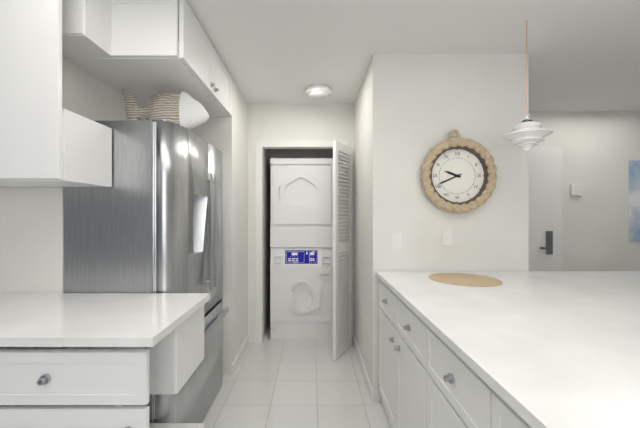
9:41
